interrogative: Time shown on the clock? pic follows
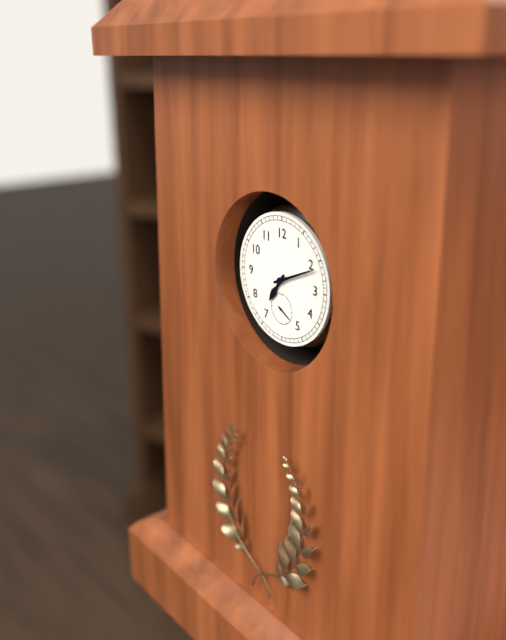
7:11
